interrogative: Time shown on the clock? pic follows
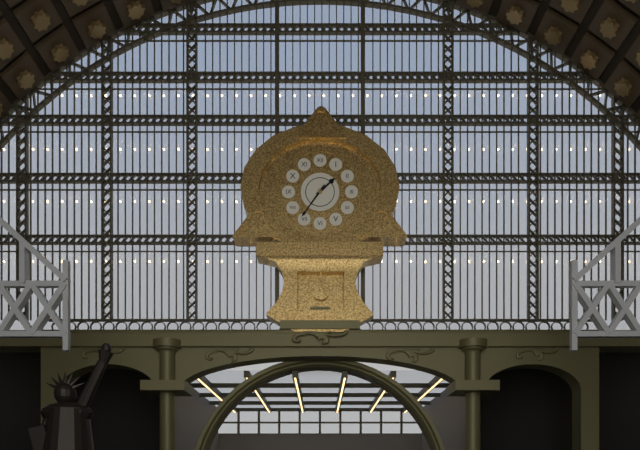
1:36
